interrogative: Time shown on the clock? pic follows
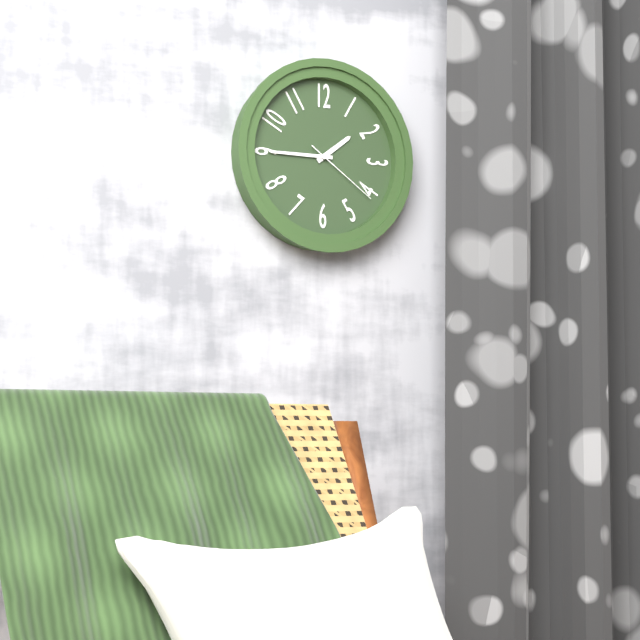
1:45:21
